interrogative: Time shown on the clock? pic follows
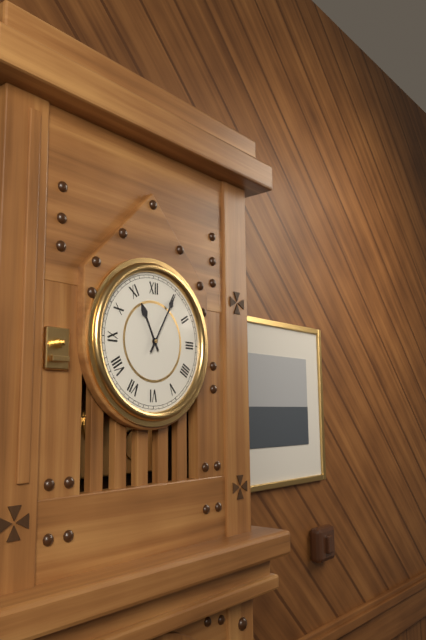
11:05
